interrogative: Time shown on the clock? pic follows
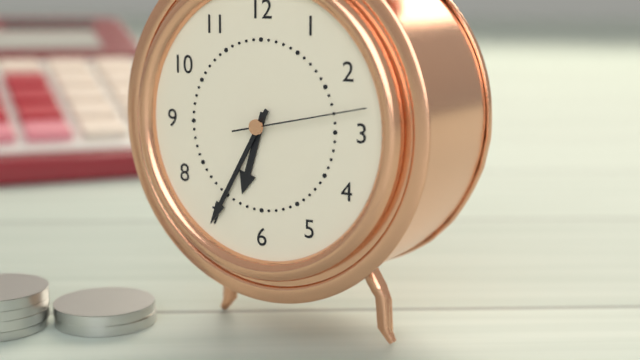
6:35:13
